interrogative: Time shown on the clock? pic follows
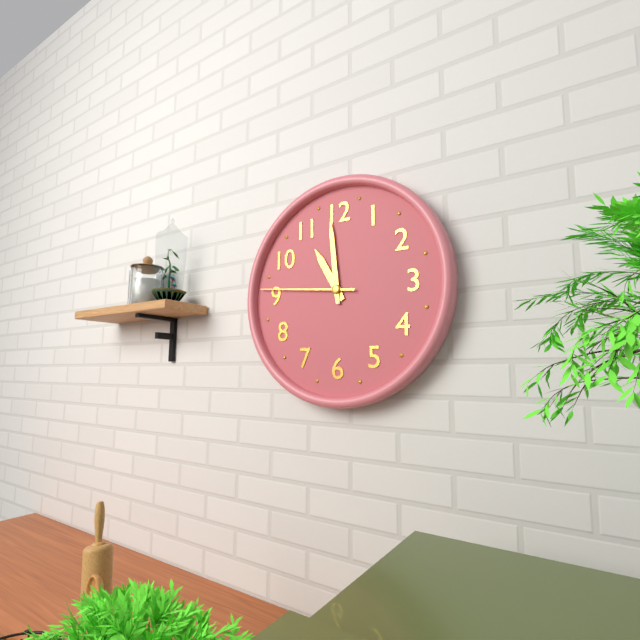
10:59:46
